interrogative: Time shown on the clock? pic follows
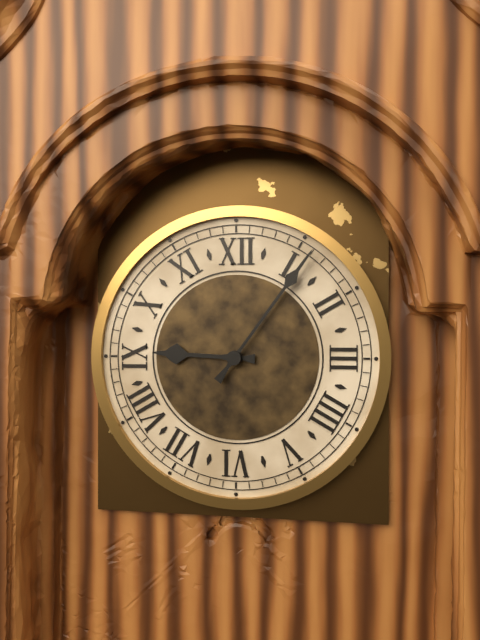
9:06
